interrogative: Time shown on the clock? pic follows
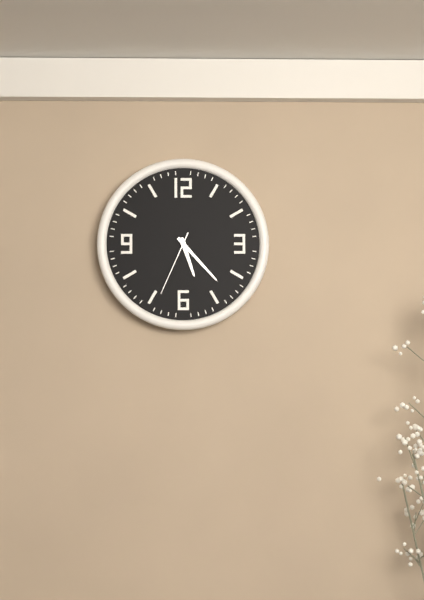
5:23:34
